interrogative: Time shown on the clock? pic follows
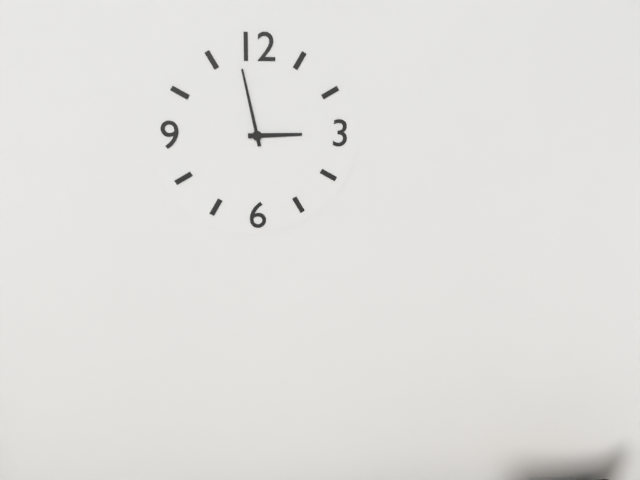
2:58
